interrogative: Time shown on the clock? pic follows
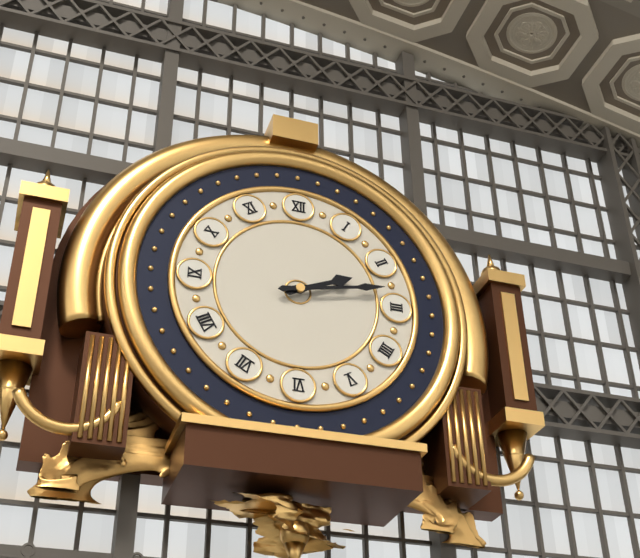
2:13
